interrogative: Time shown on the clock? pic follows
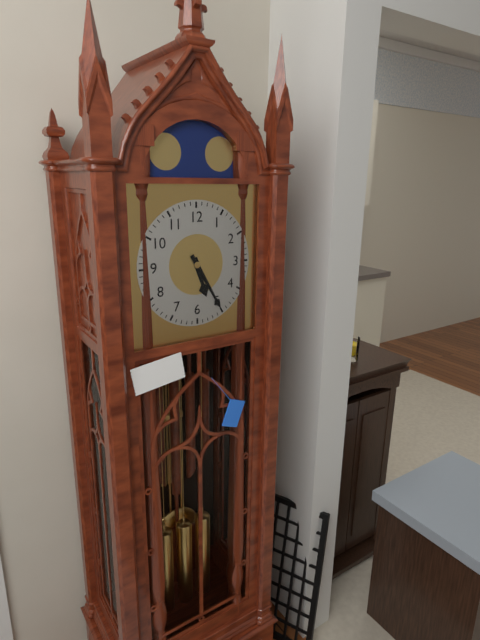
5:25
